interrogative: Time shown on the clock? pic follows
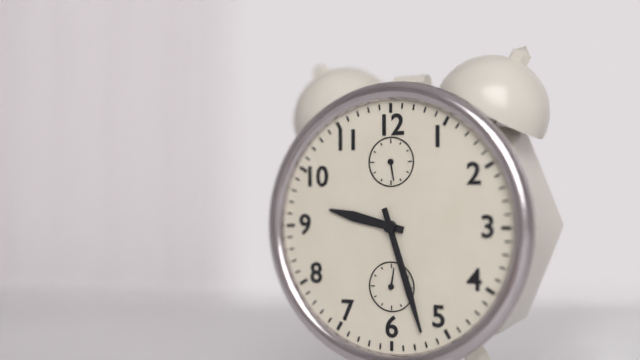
9:27
